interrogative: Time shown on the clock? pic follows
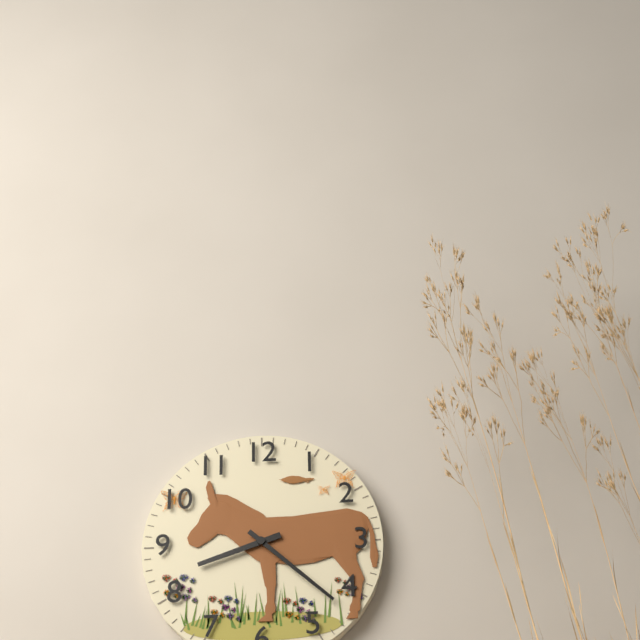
8:22
